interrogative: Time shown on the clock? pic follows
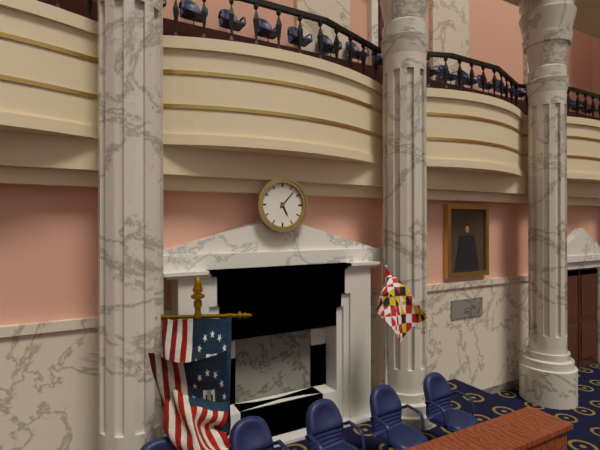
5:07
